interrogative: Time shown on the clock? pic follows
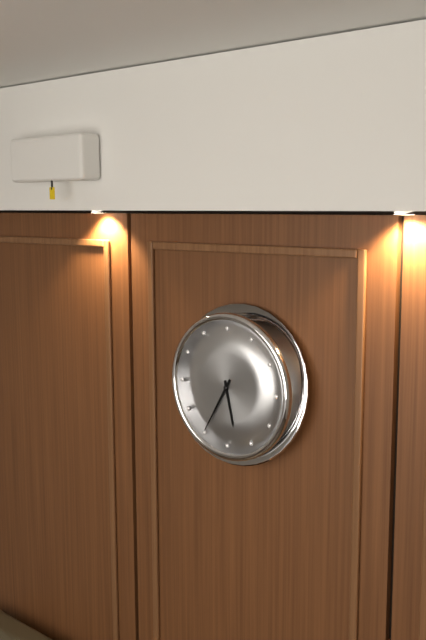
5:35
